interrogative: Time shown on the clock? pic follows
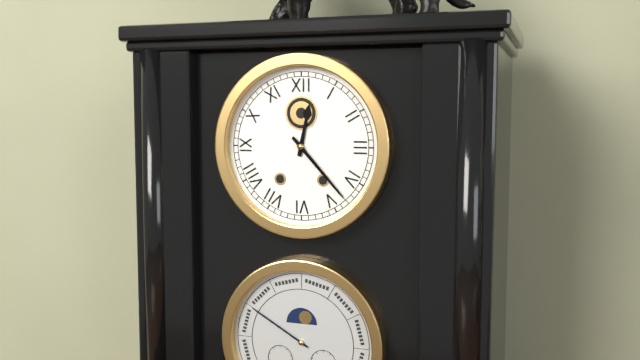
12:23
